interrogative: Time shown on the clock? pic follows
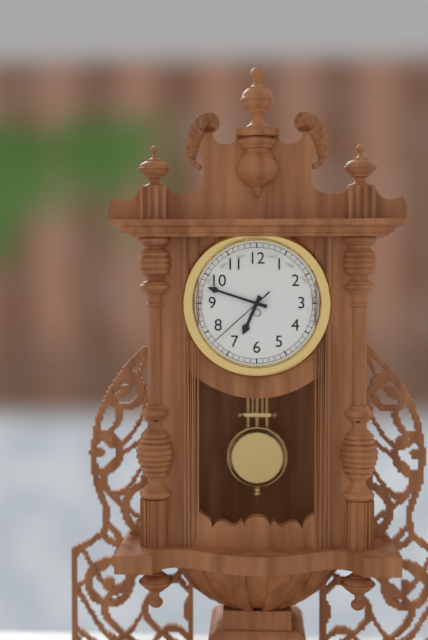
6:48:38
